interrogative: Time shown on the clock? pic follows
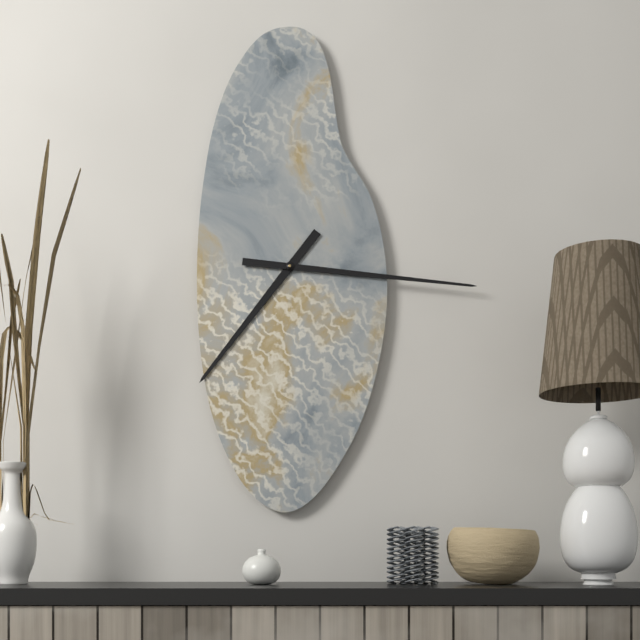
7:16
